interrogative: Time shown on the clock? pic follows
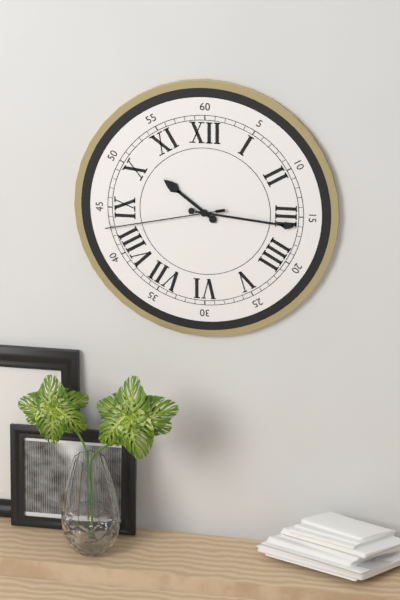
10:16:43
